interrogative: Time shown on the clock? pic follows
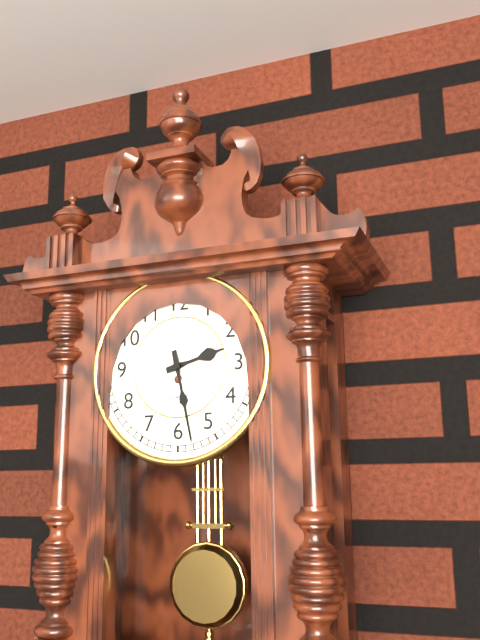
2:28
